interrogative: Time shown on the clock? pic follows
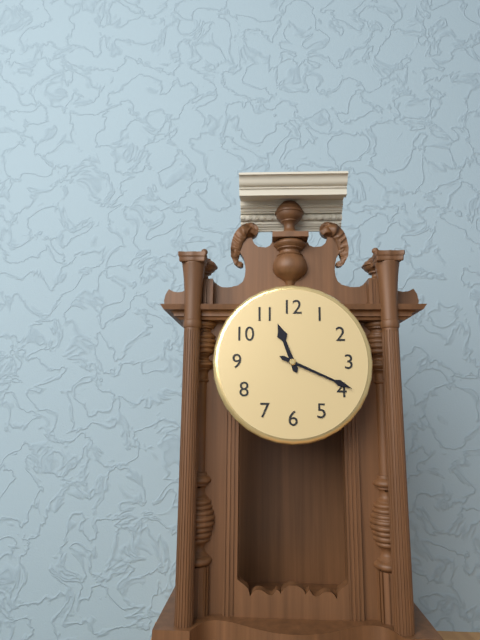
11:19
